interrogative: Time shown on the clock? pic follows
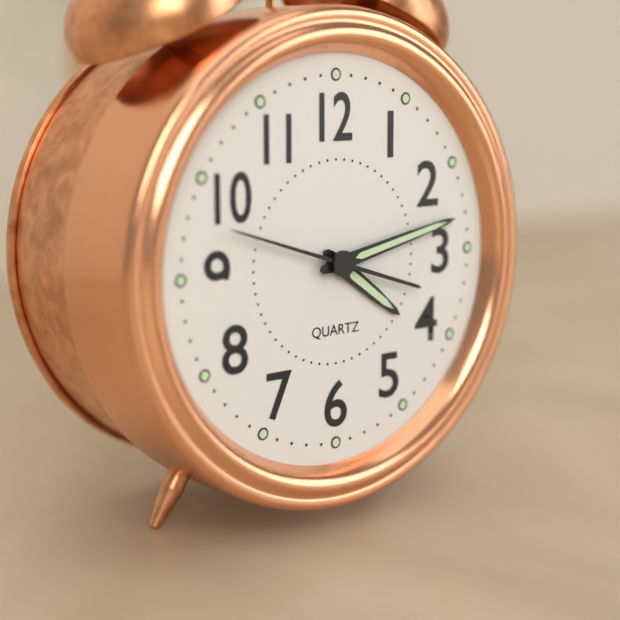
4:13:48
